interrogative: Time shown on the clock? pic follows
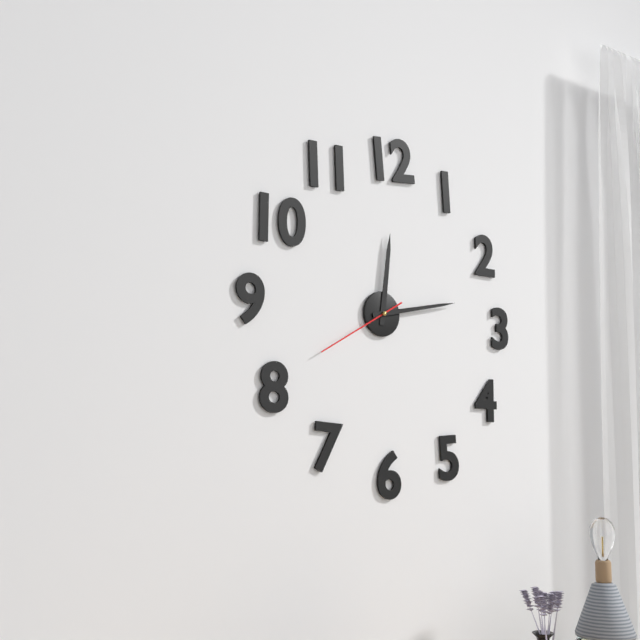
12:13:40
